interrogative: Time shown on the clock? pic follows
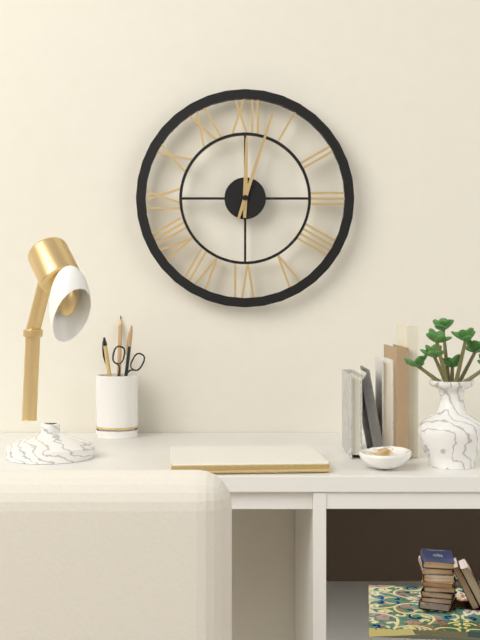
12:03
